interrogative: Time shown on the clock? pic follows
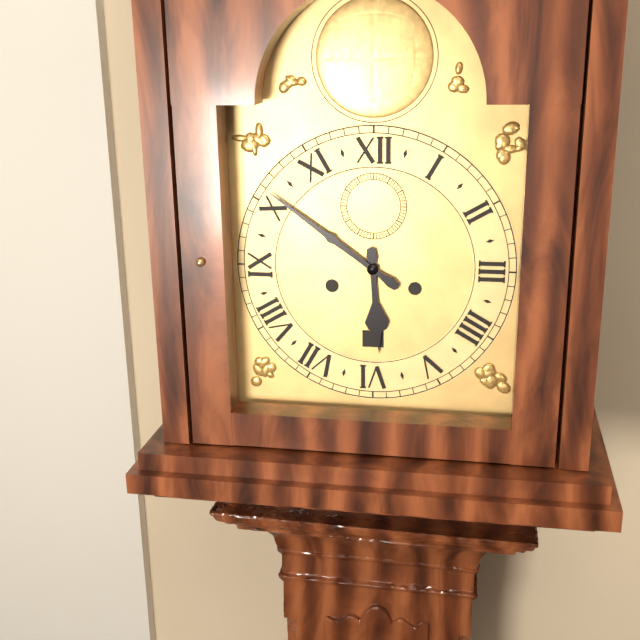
5:51
